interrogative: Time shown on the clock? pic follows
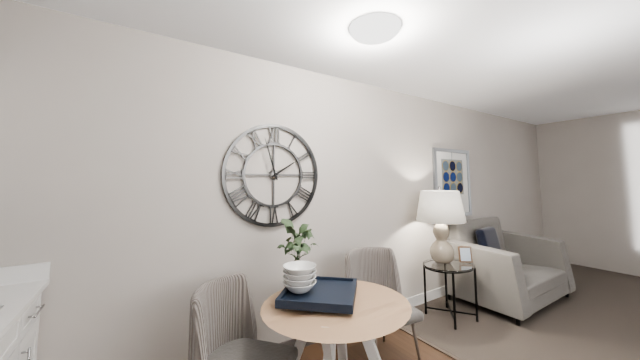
1:57
